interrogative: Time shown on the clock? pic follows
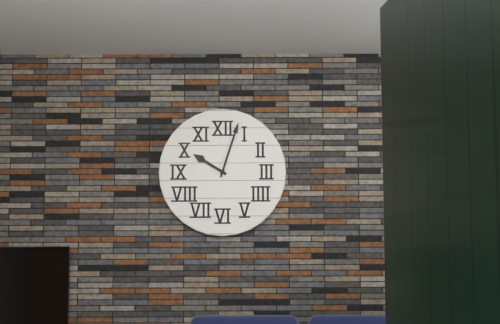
10:03
